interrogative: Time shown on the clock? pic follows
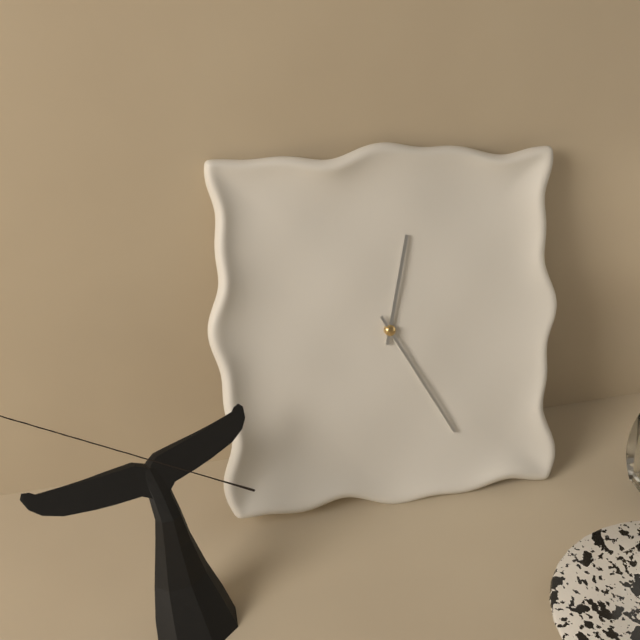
12:25
